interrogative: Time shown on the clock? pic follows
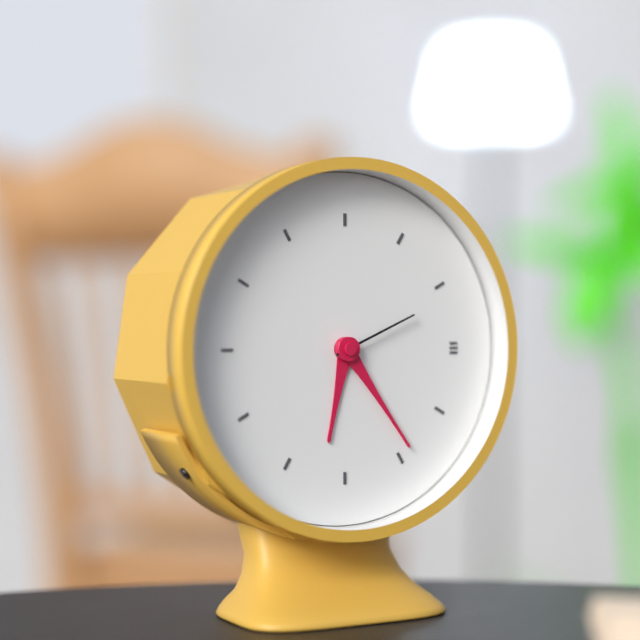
6:24:11
